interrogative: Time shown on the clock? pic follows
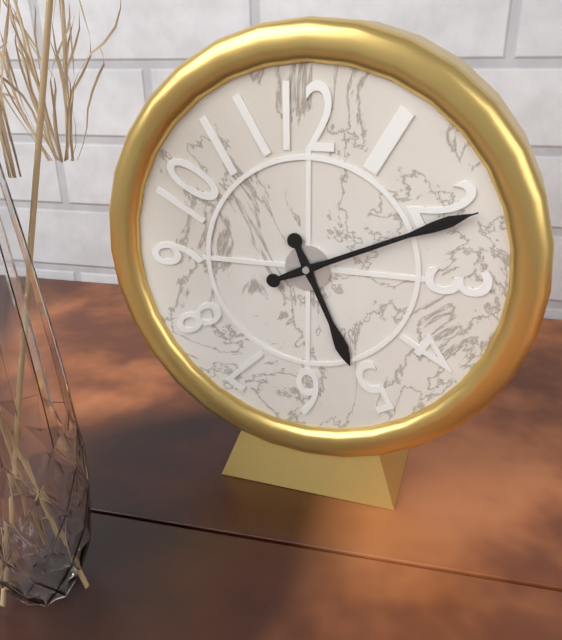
5:11:11
